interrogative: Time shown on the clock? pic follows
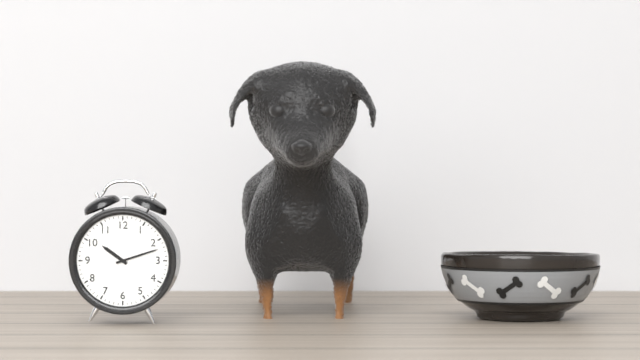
10:12
